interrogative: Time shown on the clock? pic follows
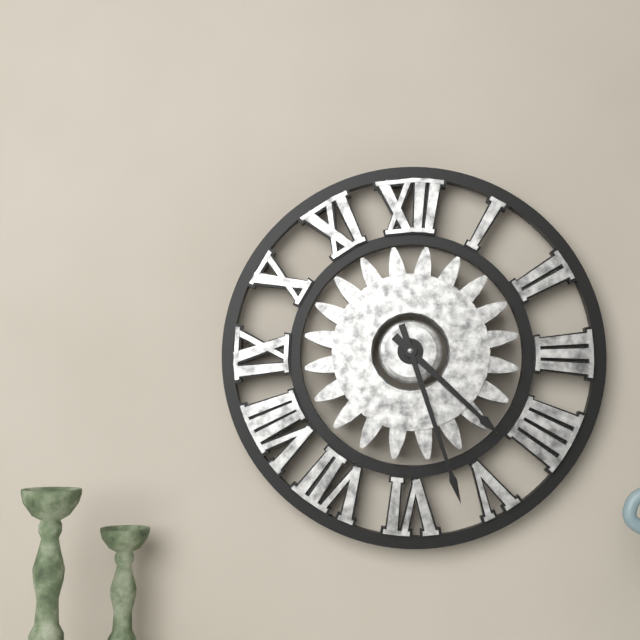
4:27
